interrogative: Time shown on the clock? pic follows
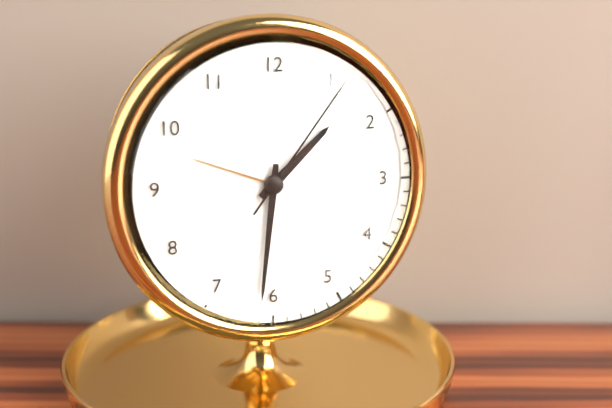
1:31:06
